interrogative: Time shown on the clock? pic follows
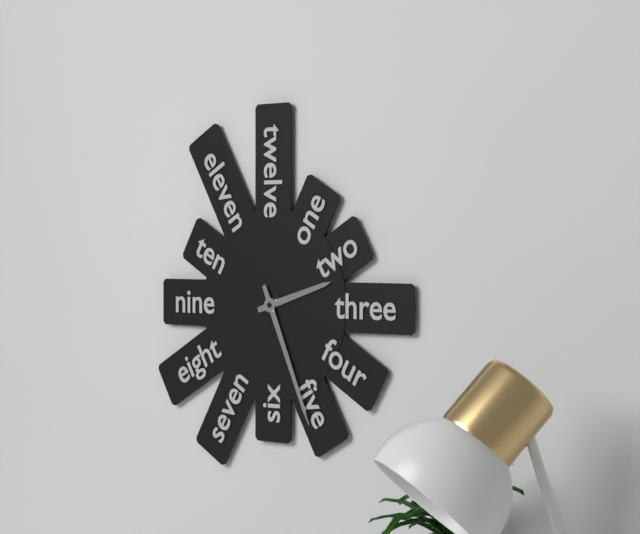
2:26
